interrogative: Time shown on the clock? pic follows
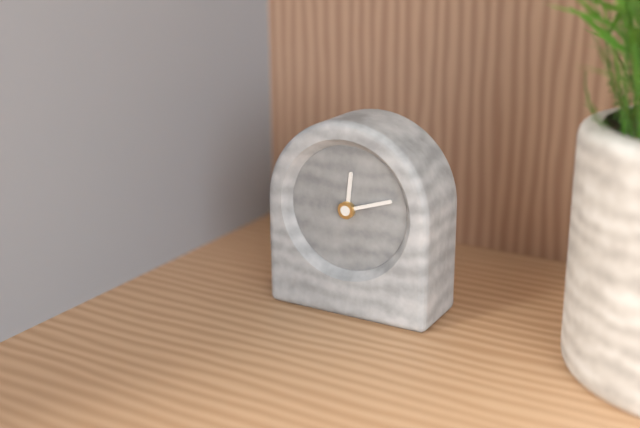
12:12
